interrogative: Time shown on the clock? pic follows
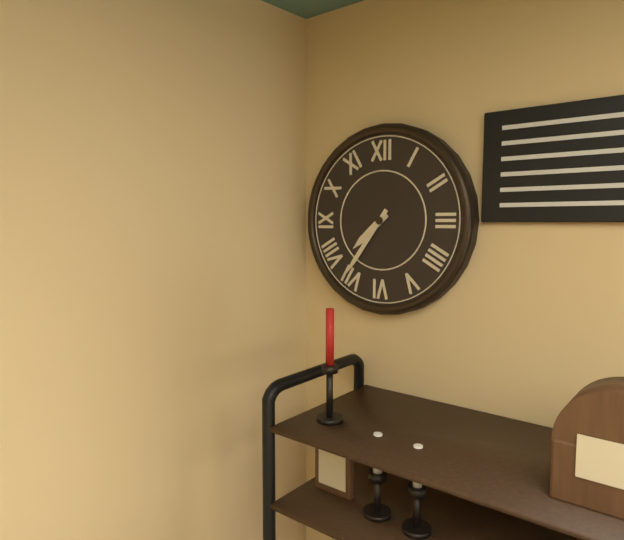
7:36
